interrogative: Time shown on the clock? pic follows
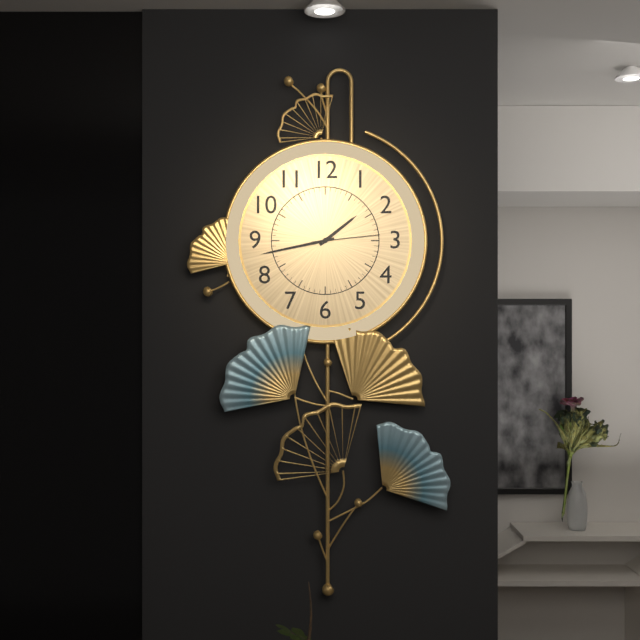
1:43:14
